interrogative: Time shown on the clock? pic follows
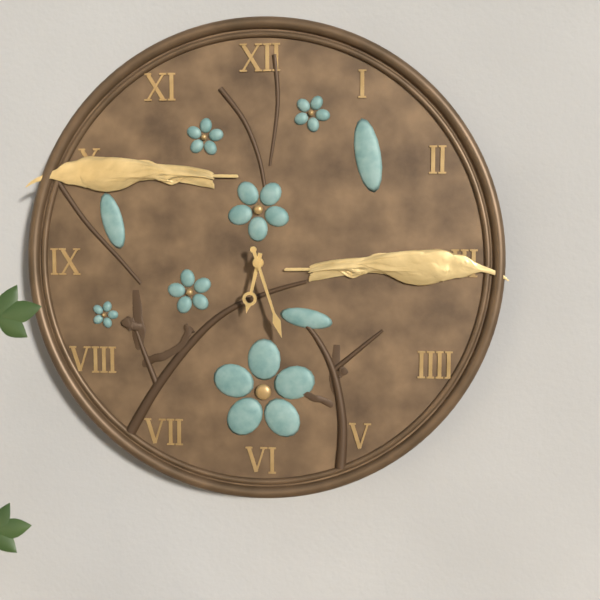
6:27
